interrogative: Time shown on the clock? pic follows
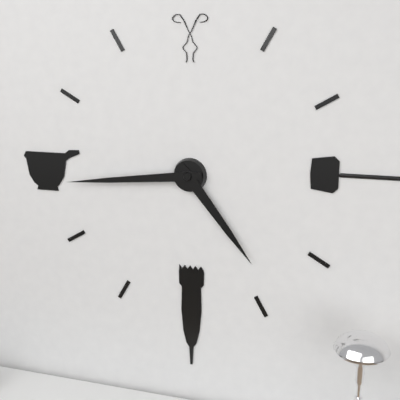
4:44
